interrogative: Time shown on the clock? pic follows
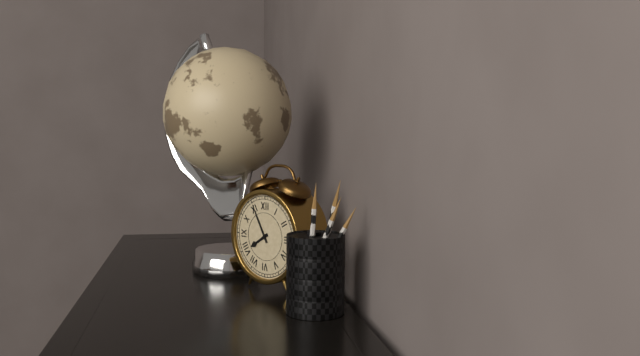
7:55
